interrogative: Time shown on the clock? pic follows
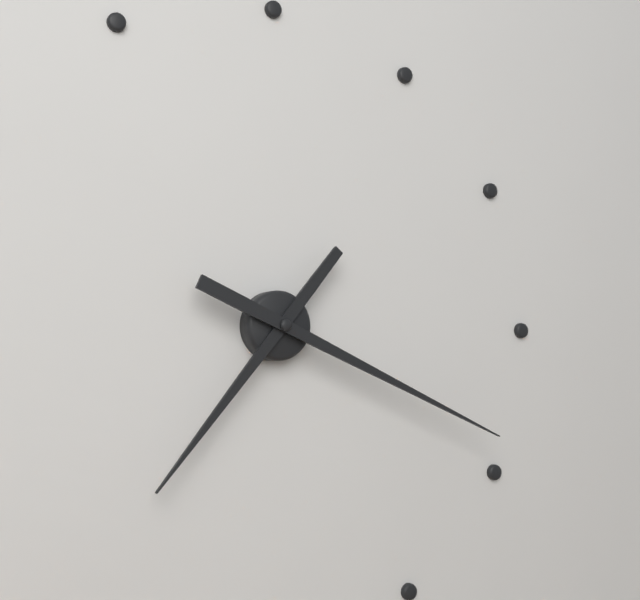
7:19
